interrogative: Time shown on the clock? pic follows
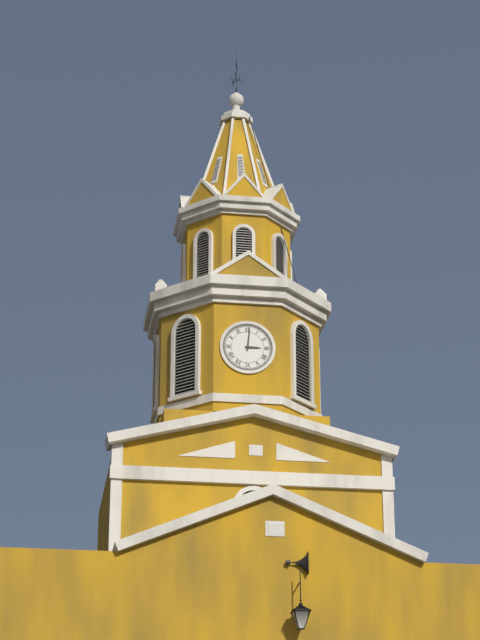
3:01
